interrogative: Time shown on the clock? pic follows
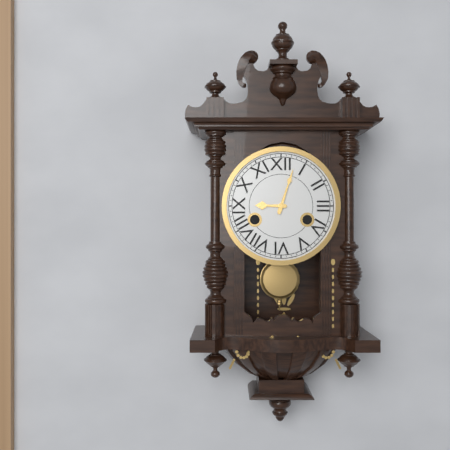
9:03
